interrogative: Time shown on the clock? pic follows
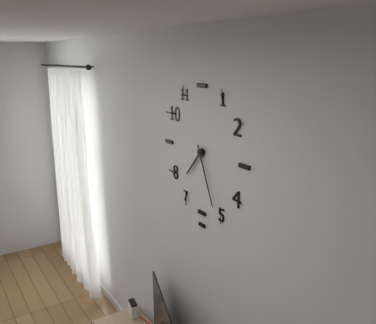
7:26
